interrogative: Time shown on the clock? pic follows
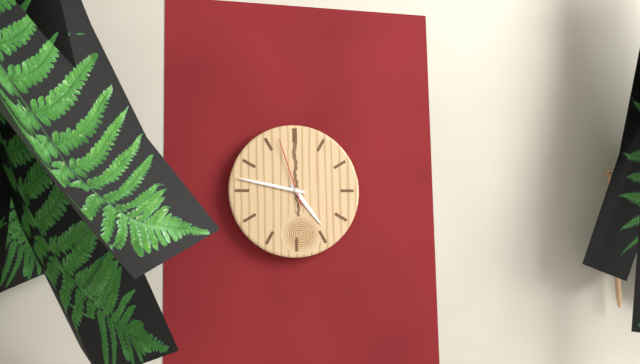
4:47:57
